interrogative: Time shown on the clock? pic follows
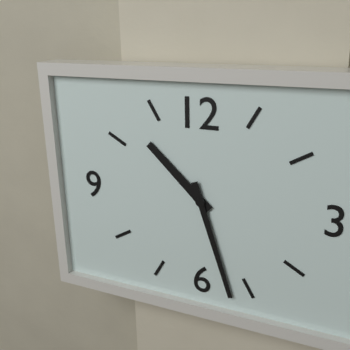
10:27
